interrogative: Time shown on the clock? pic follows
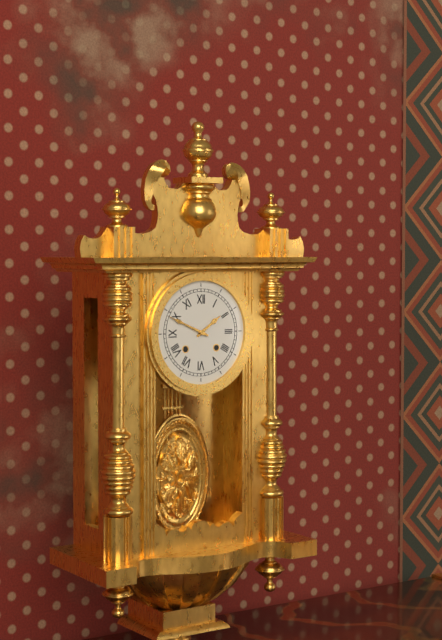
1:49
